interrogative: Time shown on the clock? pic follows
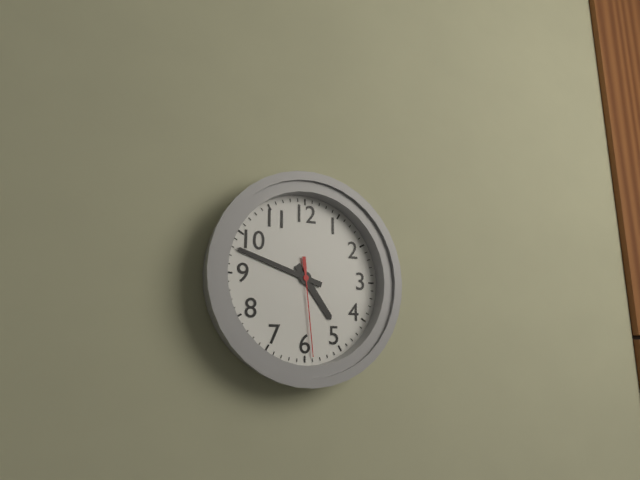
4:48:29
